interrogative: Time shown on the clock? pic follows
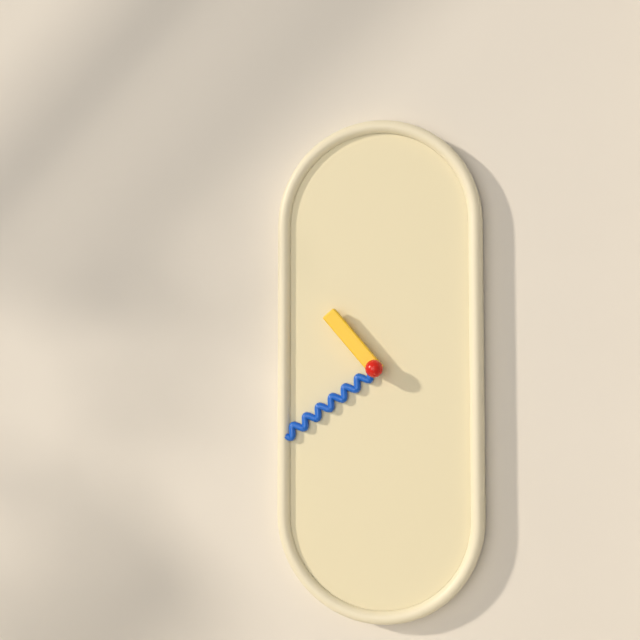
10:39
